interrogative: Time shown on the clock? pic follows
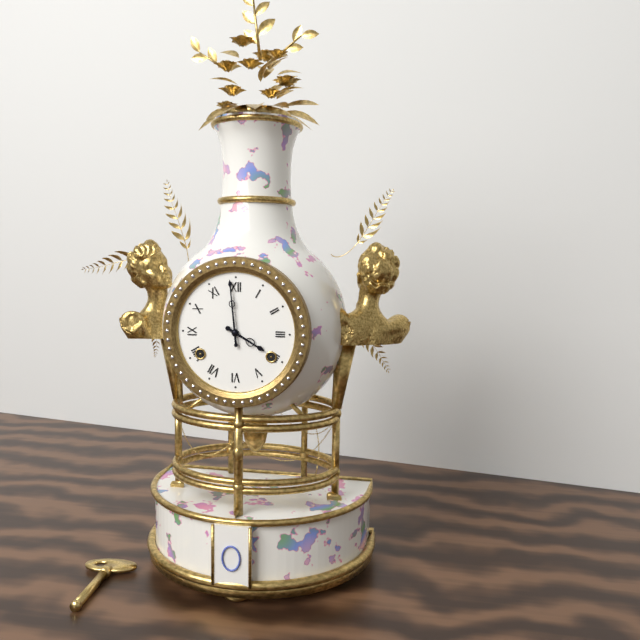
3:59
